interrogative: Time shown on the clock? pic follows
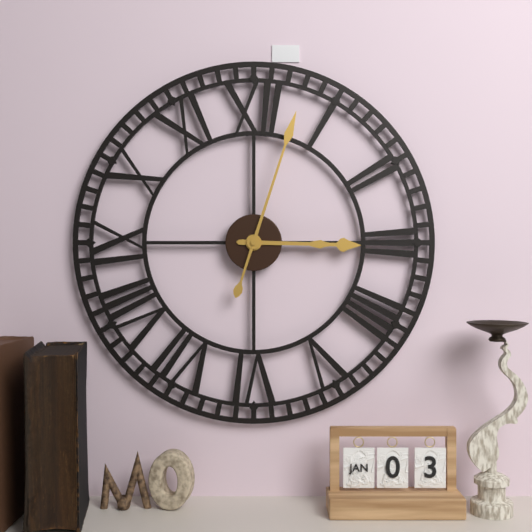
3:03
